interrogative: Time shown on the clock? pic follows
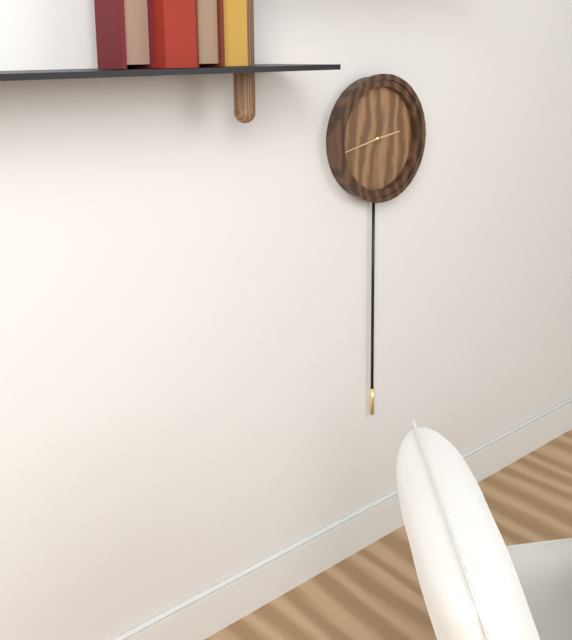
2:43
